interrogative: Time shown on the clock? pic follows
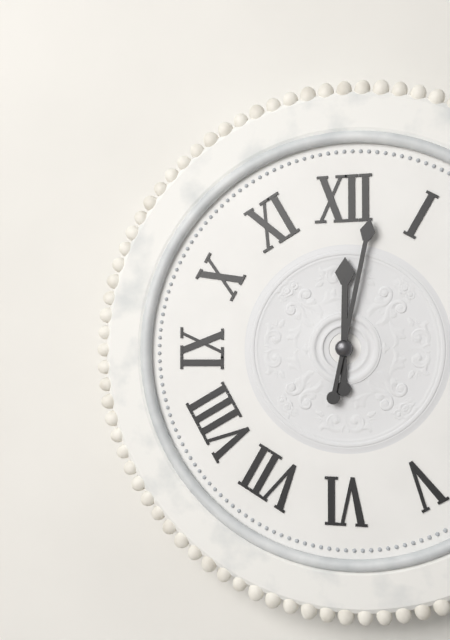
12:02
